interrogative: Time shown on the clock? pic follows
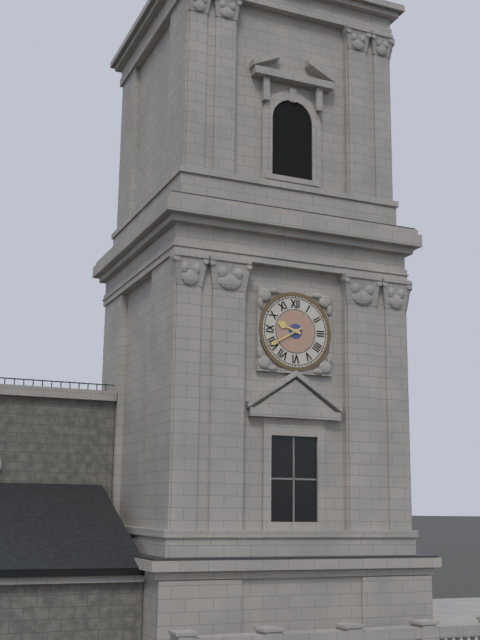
9:40
